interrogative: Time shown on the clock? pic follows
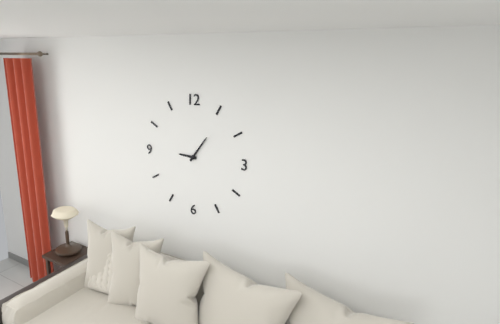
9:06
